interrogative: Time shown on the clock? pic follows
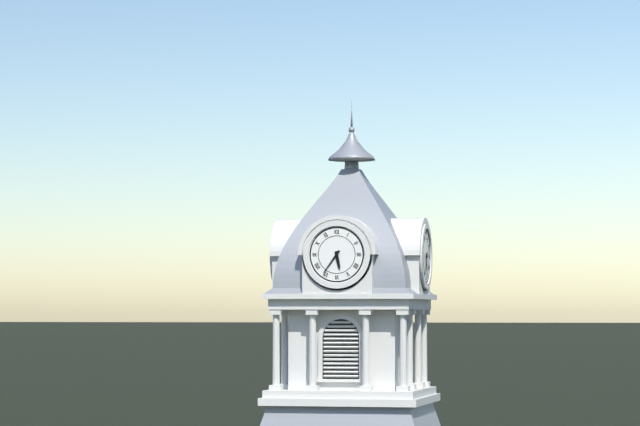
5:36
